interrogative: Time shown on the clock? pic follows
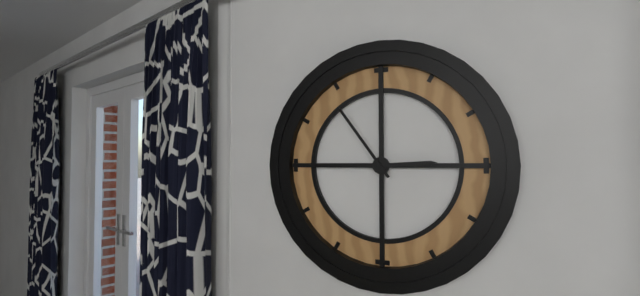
2:54
